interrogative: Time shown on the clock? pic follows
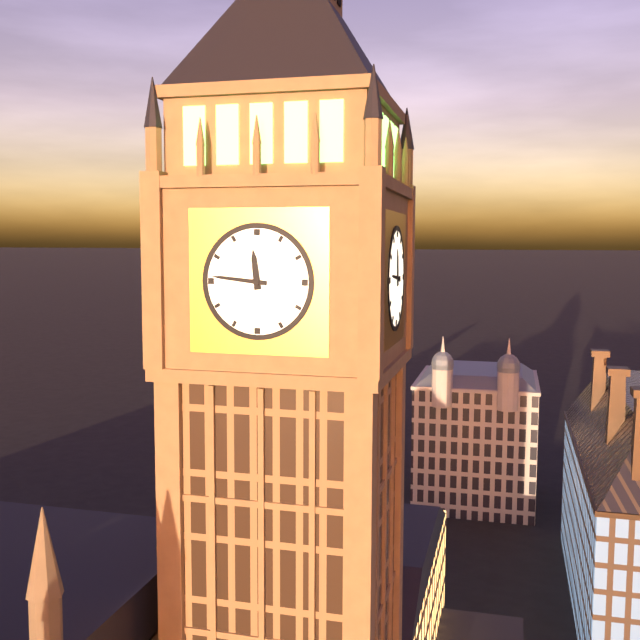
11:46
